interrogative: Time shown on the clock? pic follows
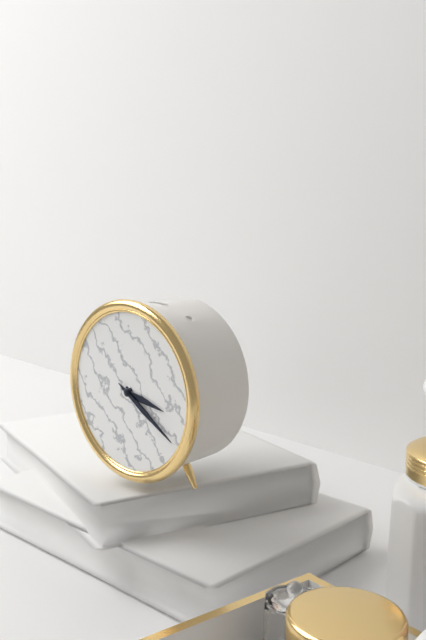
3:20
